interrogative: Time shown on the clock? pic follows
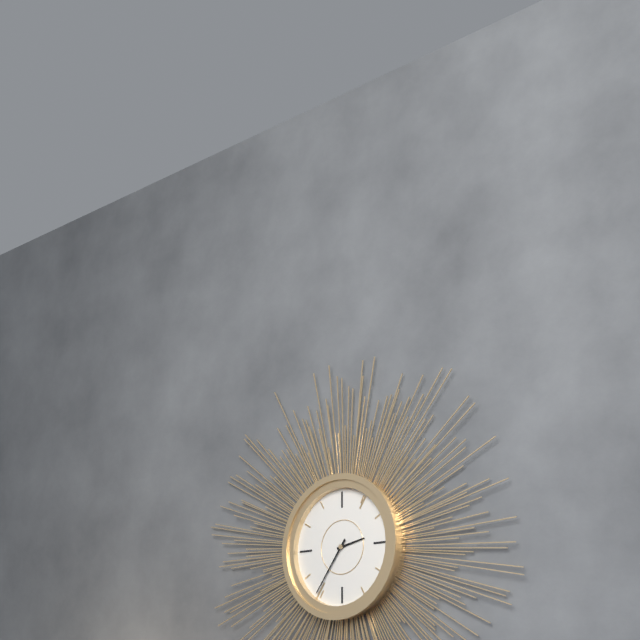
2:36
